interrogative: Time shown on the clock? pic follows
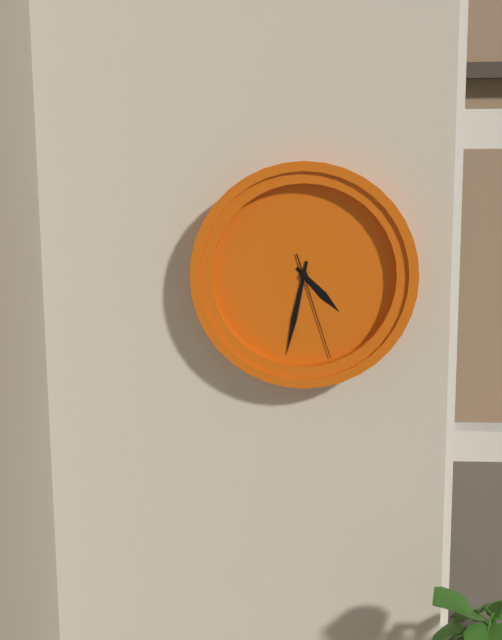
4:32:27
